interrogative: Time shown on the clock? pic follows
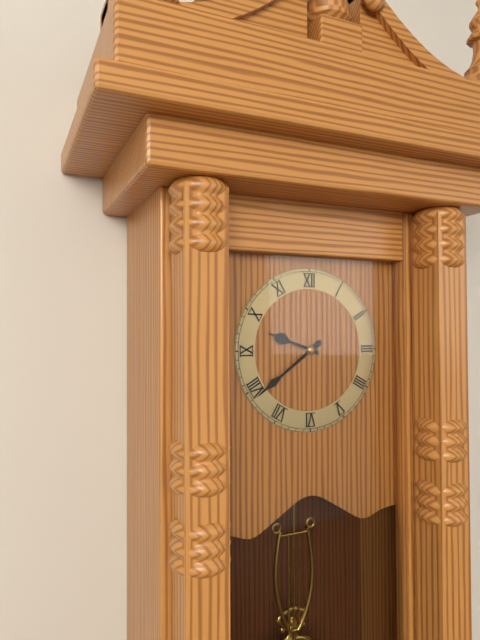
9:39
